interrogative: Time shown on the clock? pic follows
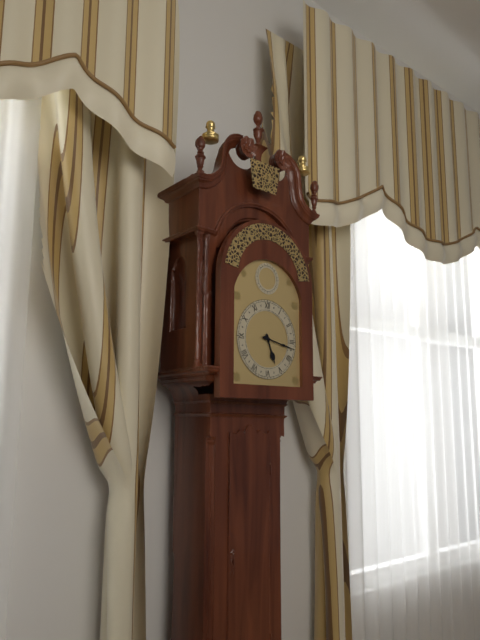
5:17
